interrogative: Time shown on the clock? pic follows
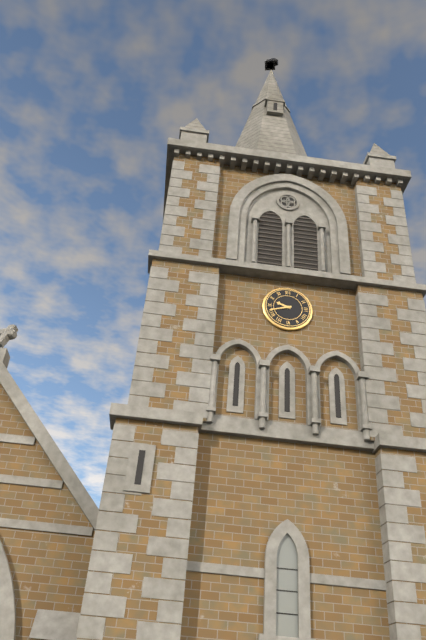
9:42
